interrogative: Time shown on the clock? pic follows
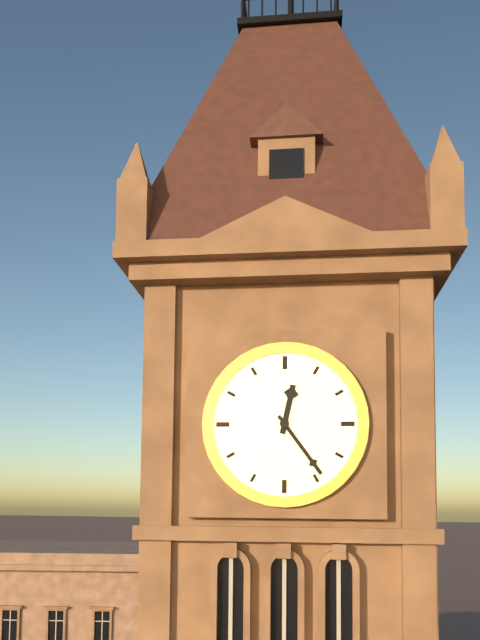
12:24
